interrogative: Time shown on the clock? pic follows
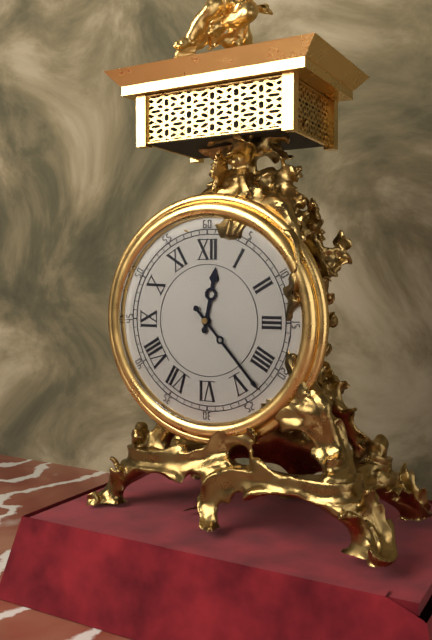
12:23
